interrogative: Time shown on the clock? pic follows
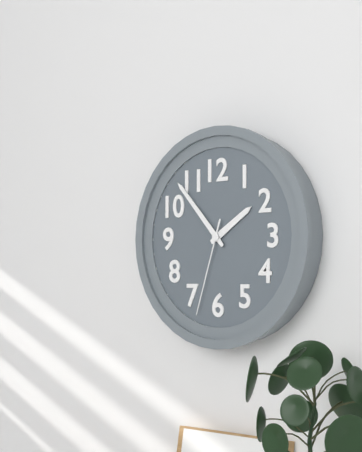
1:53:33
